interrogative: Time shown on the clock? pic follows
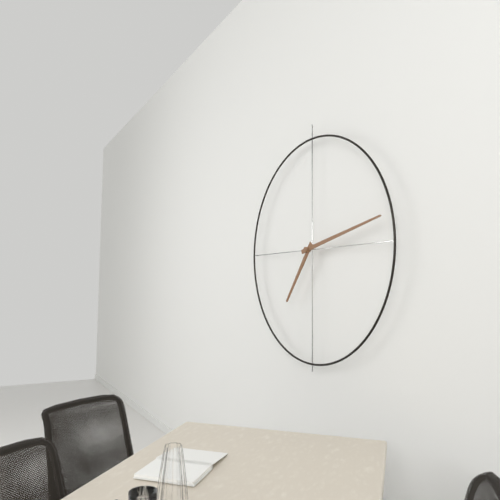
7:13
